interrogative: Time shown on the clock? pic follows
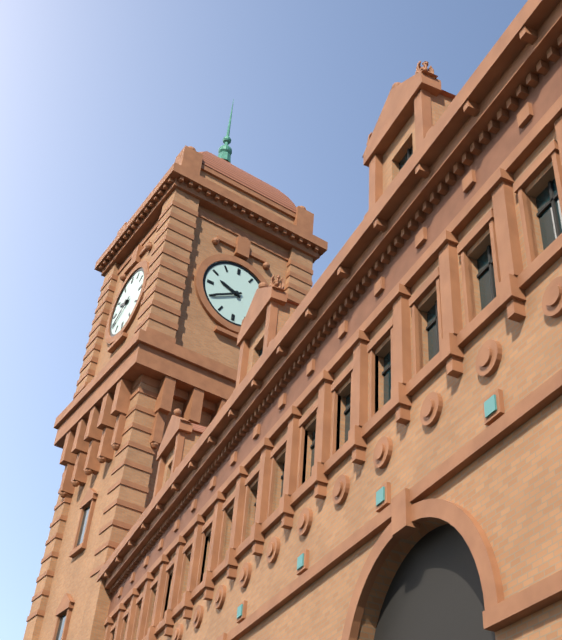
9:40
